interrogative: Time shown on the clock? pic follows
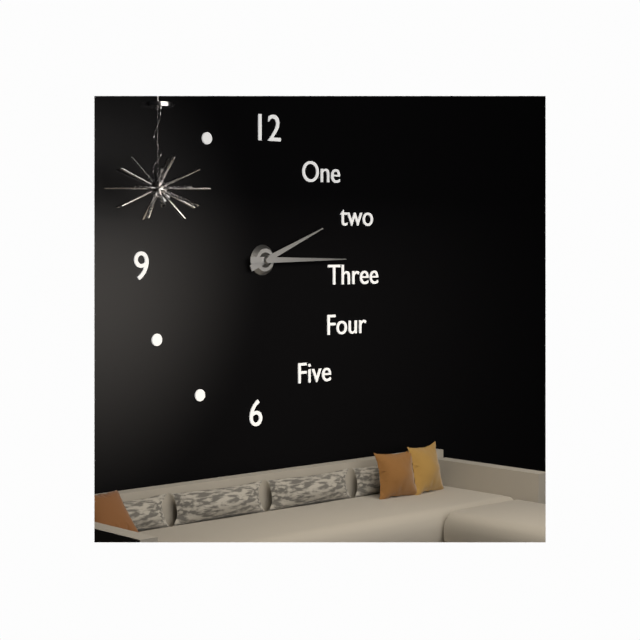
2:15
